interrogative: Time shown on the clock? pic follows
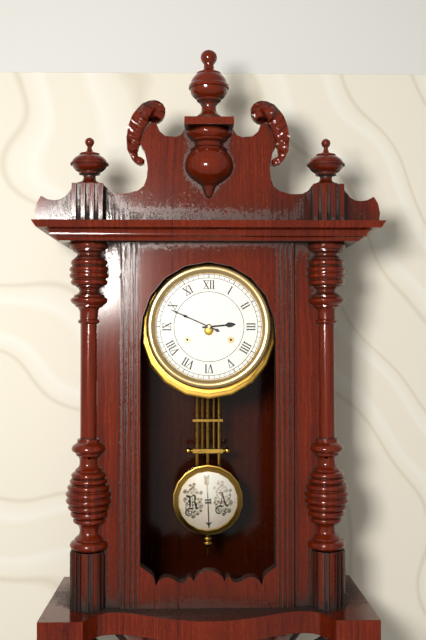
2:49
